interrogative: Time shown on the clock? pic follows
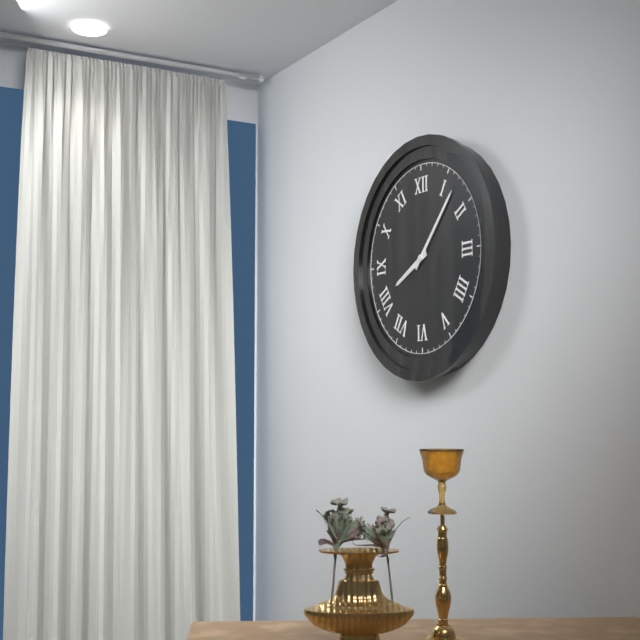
8:07
